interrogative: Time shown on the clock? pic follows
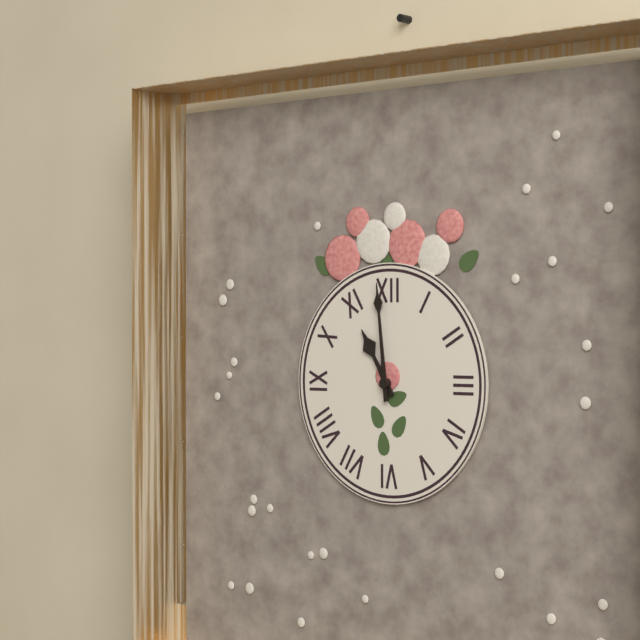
10:59
